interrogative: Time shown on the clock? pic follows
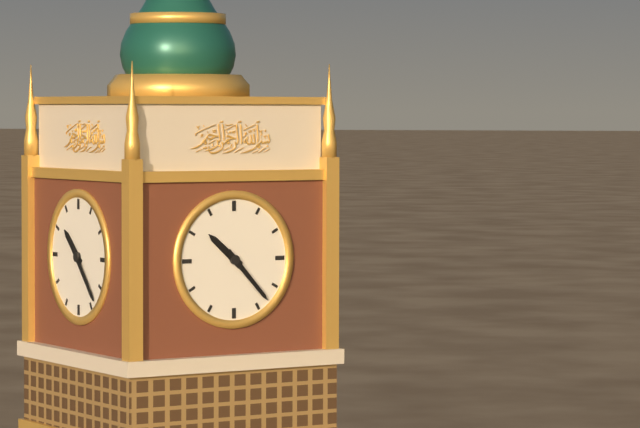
10:23
